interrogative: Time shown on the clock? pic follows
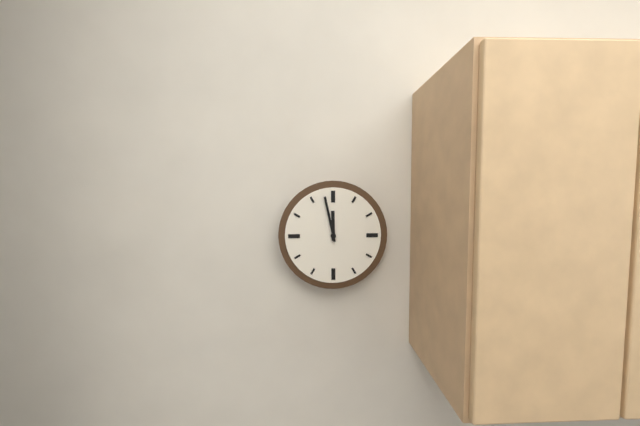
11:58
